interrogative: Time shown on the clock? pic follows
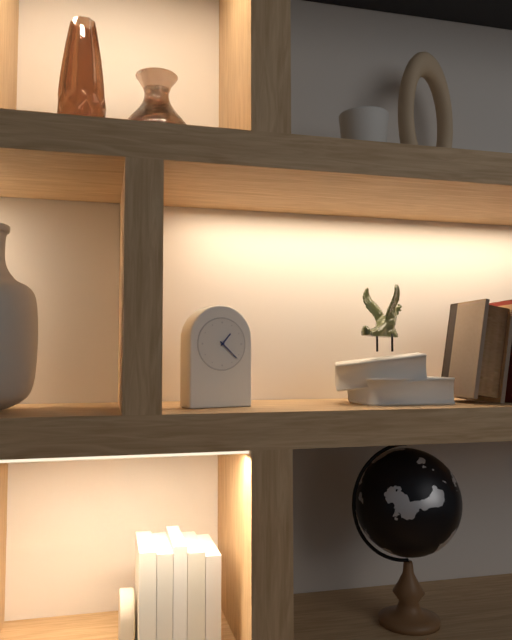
1:22
